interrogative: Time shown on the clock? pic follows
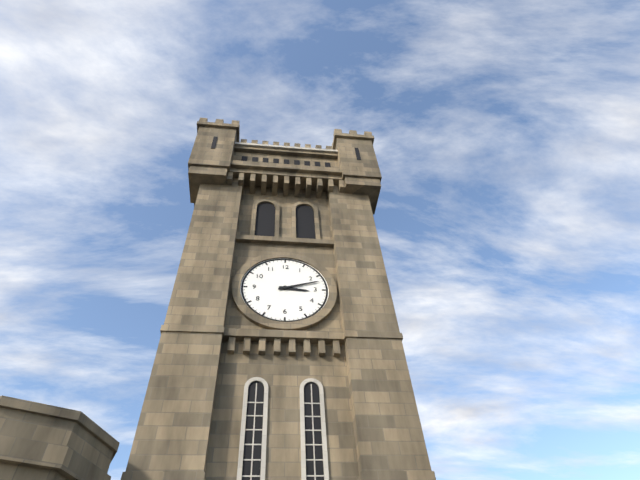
3:12
